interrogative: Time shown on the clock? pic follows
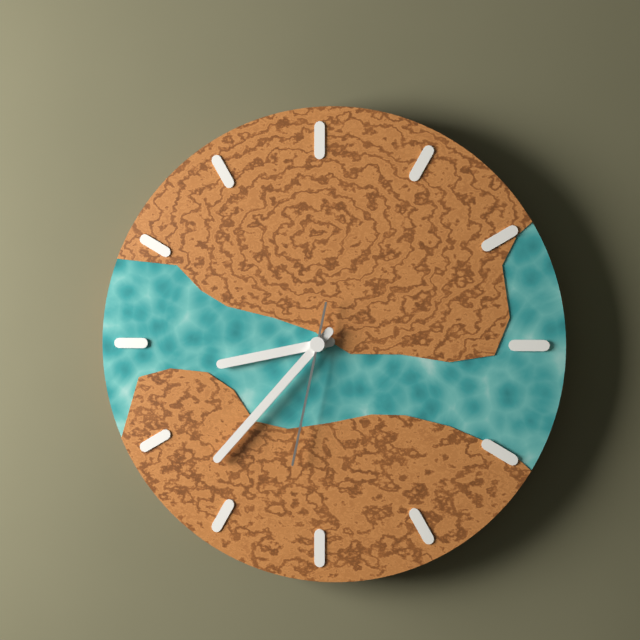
8:37:32
